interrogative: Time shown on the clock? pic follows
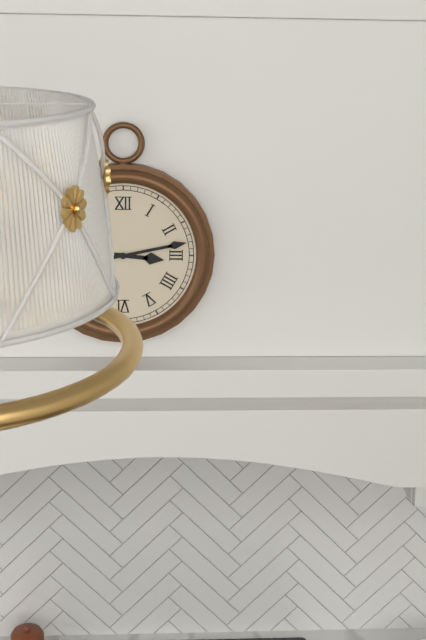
3:13
